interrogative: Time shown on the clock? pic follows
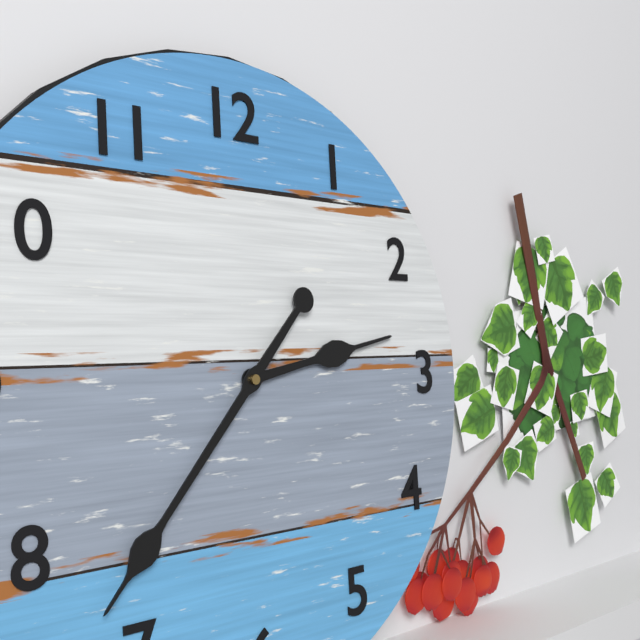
2:37
